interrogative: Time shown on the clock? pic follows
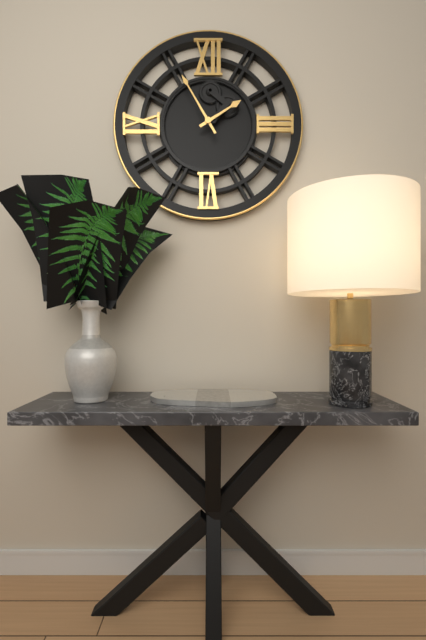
1:55
